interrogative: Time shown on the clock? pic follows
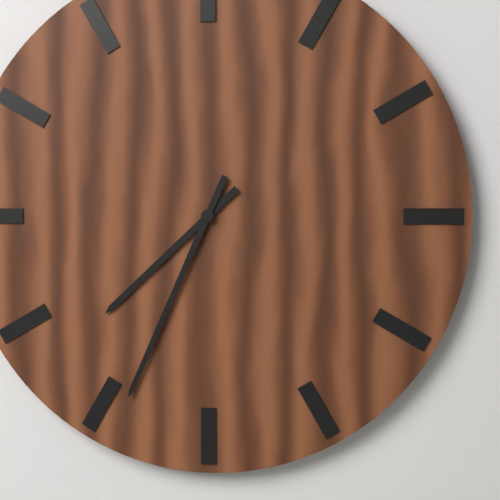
7:34
